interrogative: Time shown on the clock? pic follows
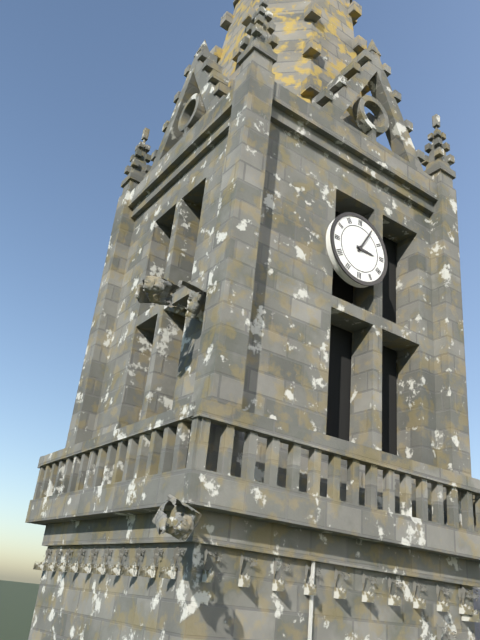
3:05
